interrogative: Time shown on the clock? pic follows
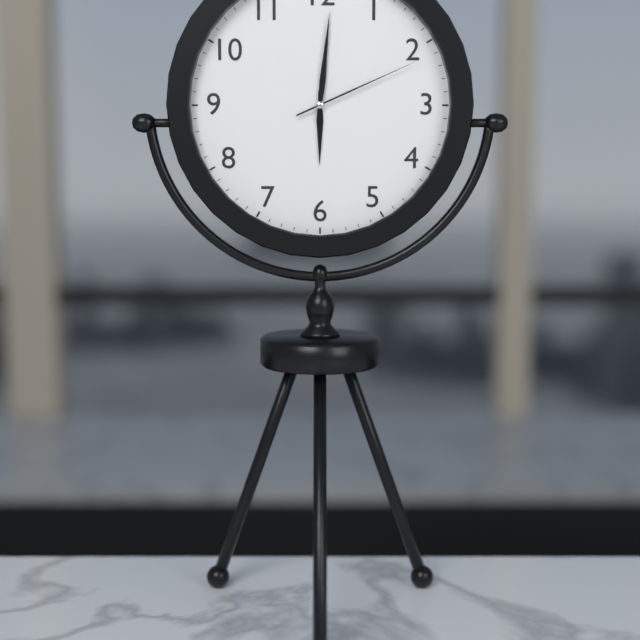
6:01:11
